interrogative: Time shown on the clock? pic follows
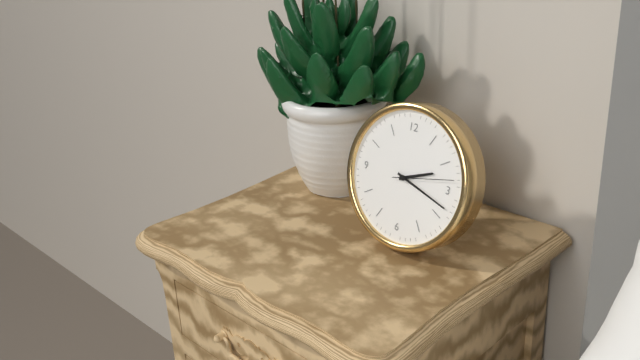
2:18:13
